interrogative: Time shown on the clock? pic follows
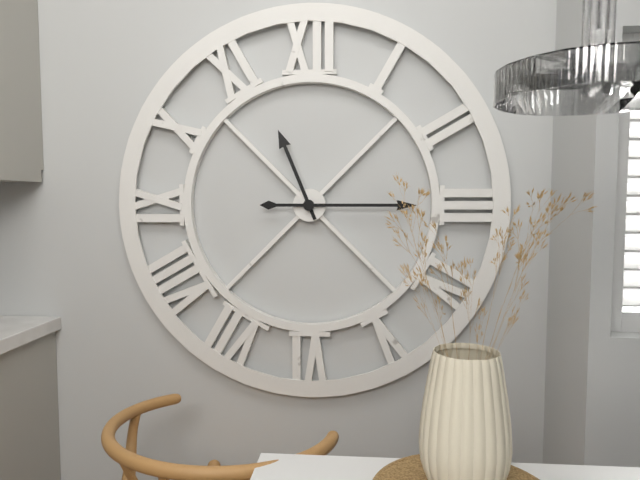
11:15
